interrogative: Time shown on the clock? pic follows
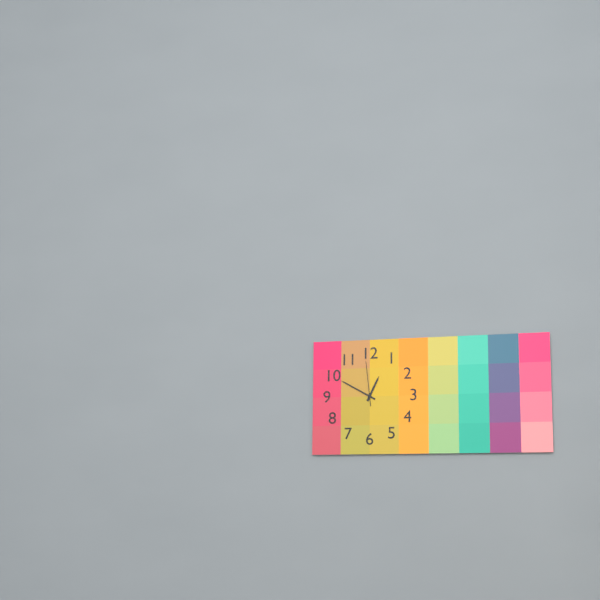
12:50
